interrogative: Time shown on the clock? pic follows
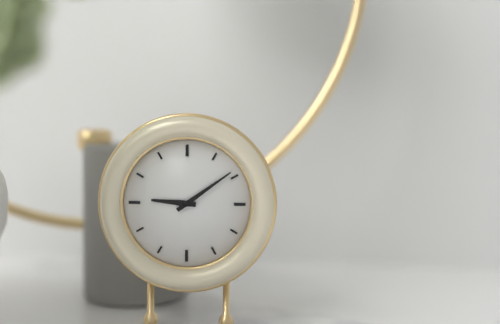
9:09
